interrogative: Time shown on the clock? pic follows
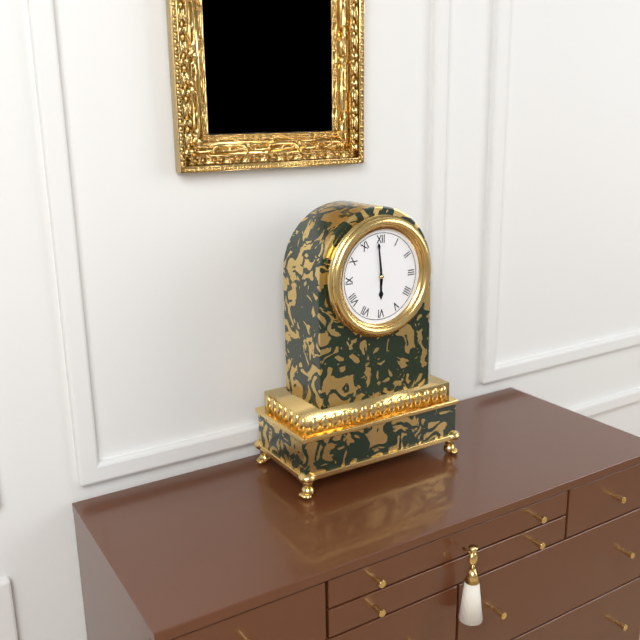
5:59
